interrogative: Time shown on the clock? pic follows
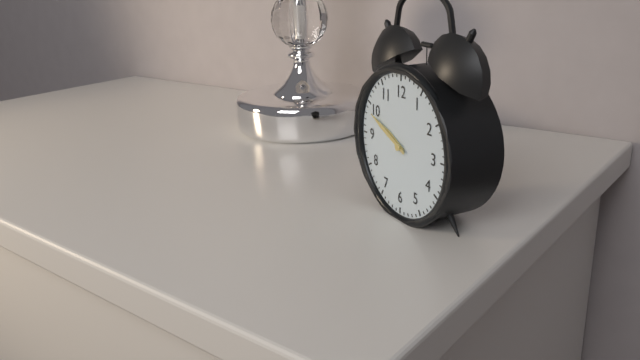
9:49
